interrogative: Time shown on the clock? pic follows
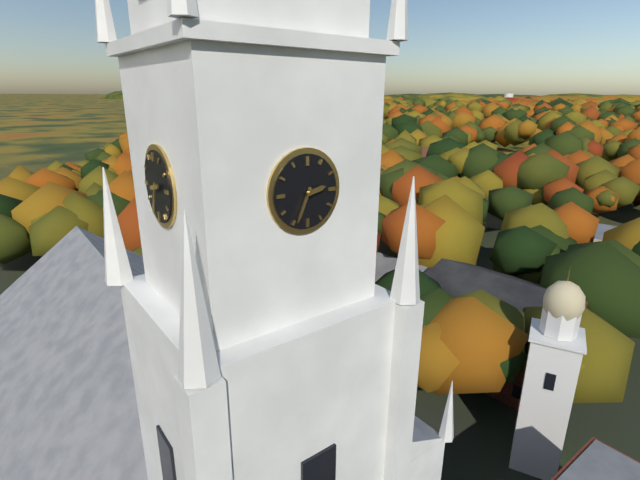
2:34
